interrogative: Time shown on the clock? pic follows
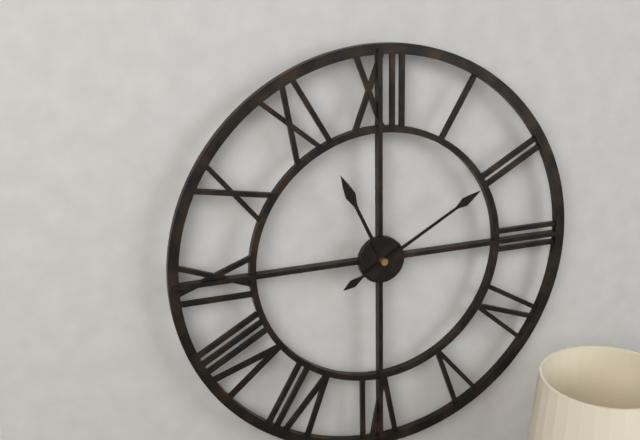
11:10
